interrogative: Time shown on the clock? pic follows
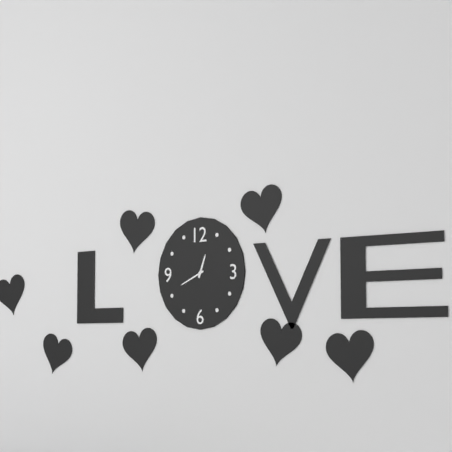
12:41
